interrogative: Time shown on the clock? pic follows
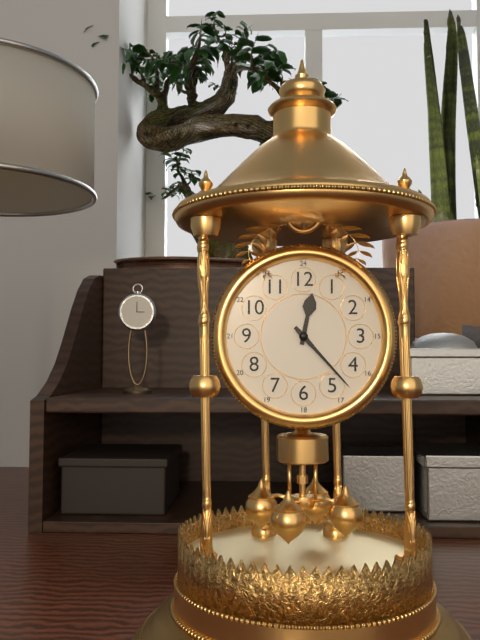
12:23
